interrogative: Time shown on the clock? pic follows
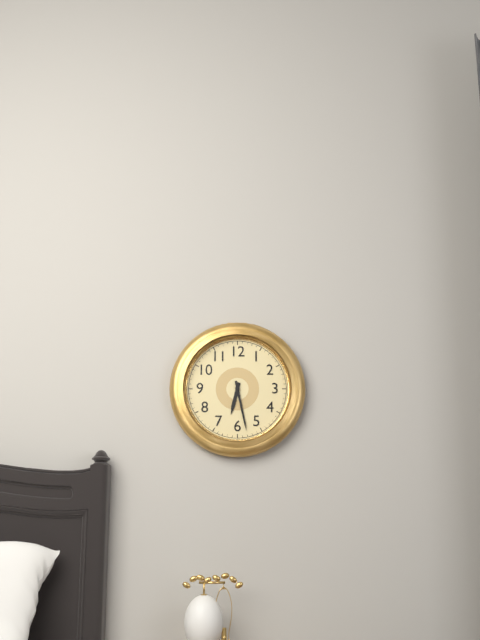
6:28
